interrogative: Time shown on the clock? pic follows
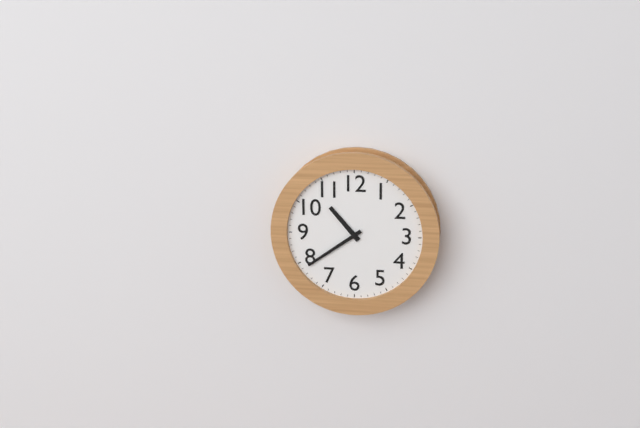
10:39
